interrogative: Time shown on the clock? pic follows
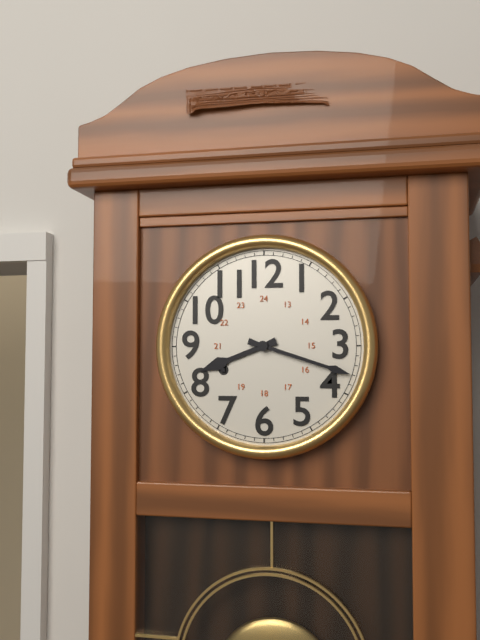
8:18
